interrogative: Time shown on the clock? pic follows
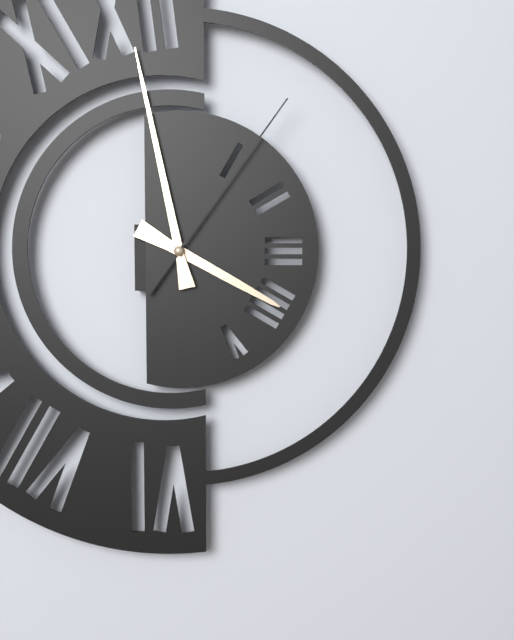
3:58:06
